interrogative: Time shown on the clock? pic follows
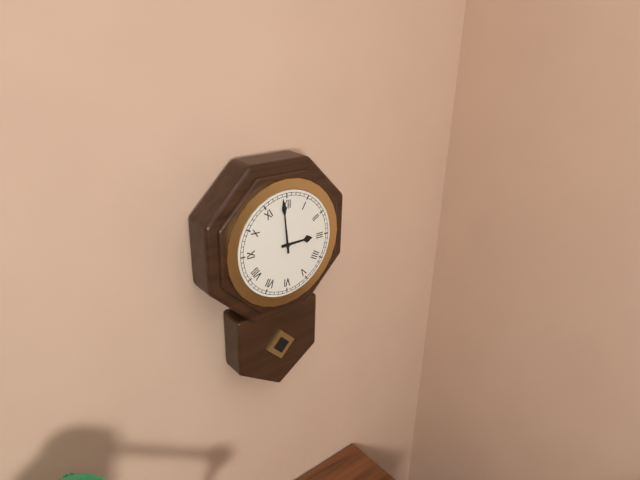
2:59
